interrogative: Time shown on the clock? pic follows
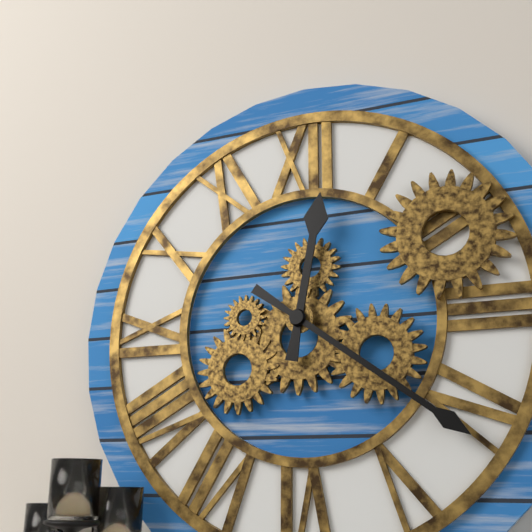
12:21
